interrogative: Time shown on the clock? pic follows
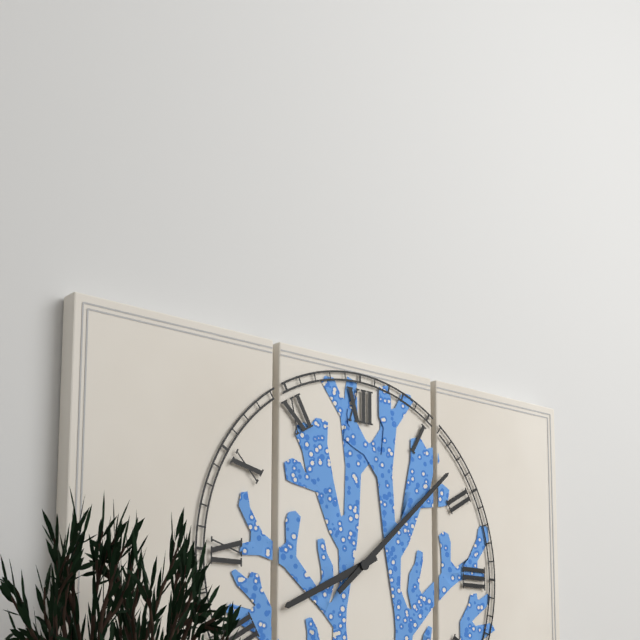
8:08
